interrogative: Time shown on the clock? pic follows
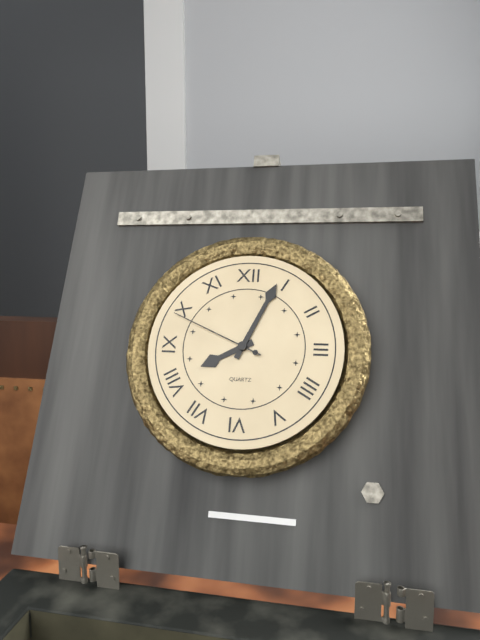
8:04:49
